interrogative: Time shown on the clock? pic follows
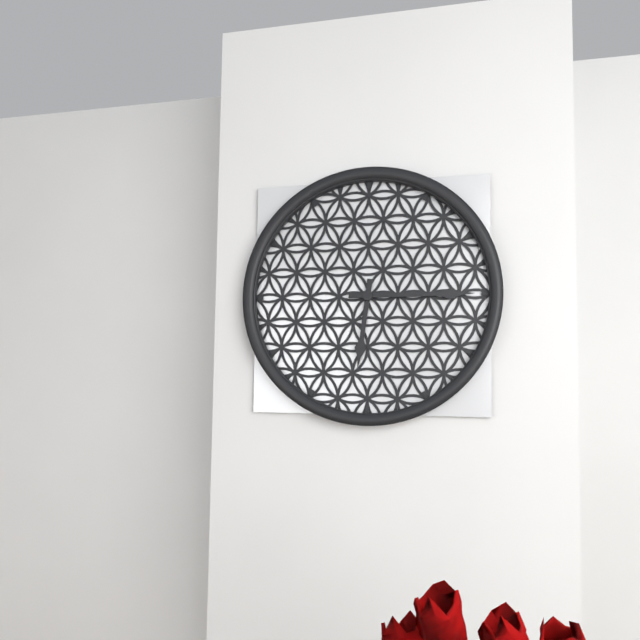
6:15
